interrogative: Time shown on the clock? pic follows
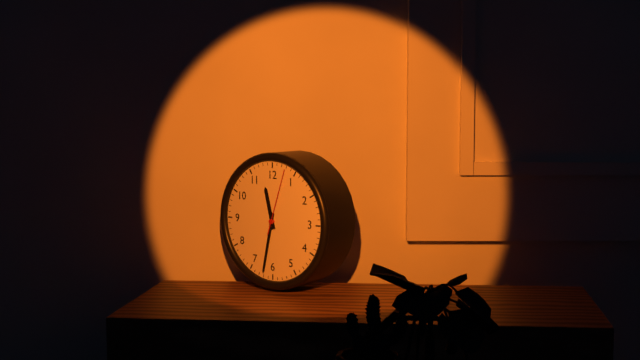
11:32:03
